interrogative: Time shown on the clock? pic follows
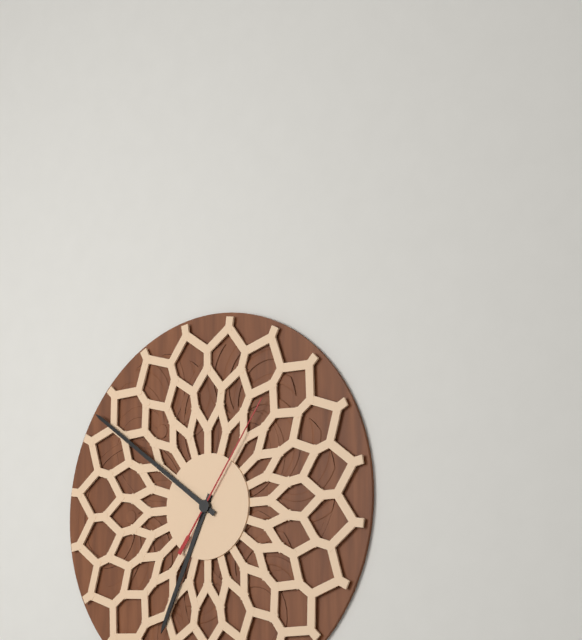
6:51:06
